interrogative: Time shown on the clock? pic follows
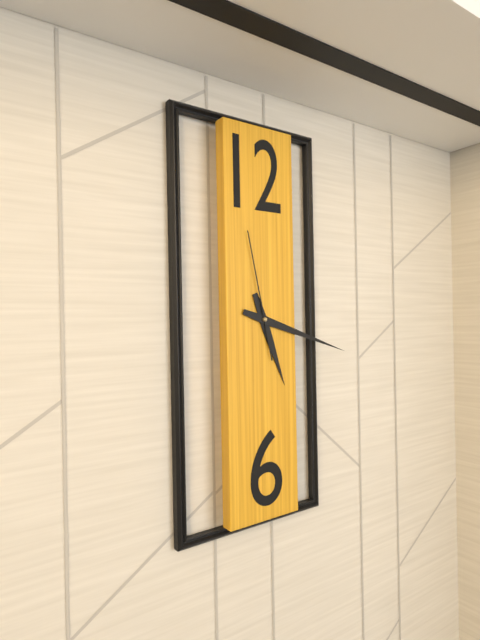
5:18:58
